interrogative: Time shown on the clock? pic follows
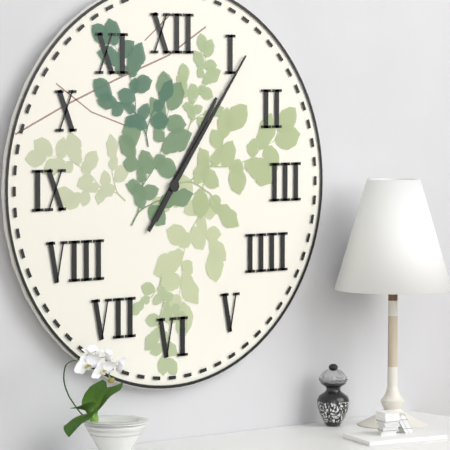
1:06
